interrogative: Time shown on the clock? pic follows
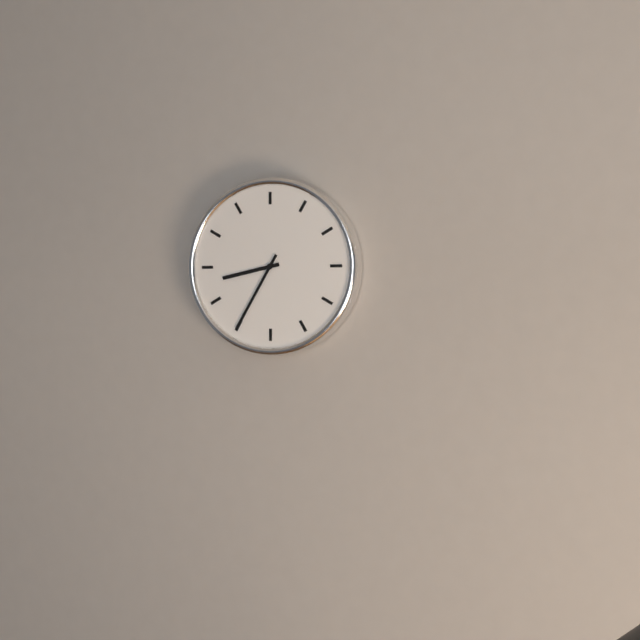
8:35
